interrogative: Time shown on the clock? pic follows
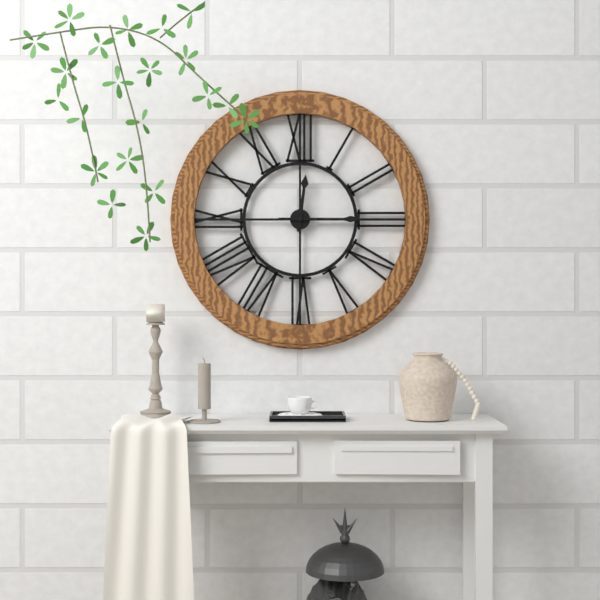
12:15
